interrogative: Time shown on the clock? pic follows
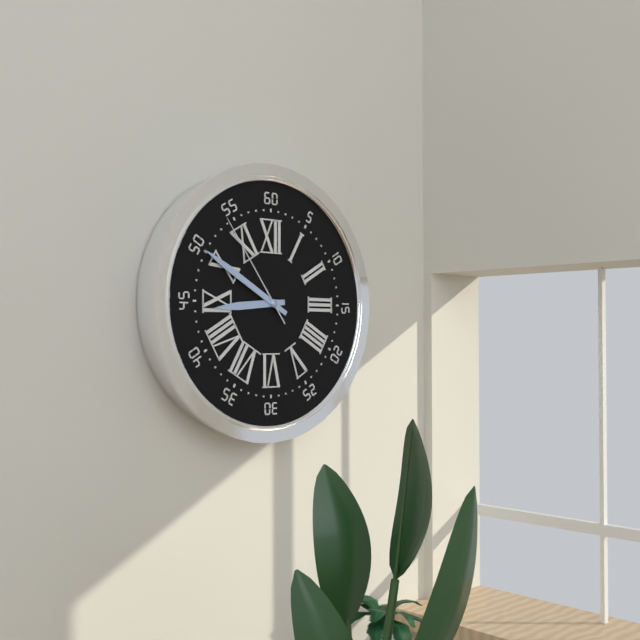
8:50:54
